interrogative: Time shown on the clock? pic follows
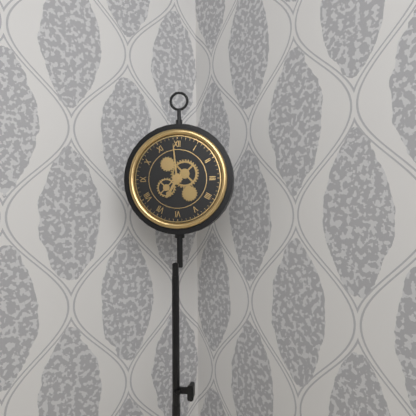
6:59
